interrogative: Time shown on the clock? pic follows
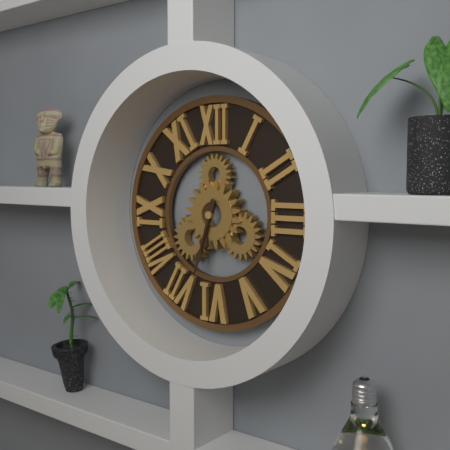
6:33
